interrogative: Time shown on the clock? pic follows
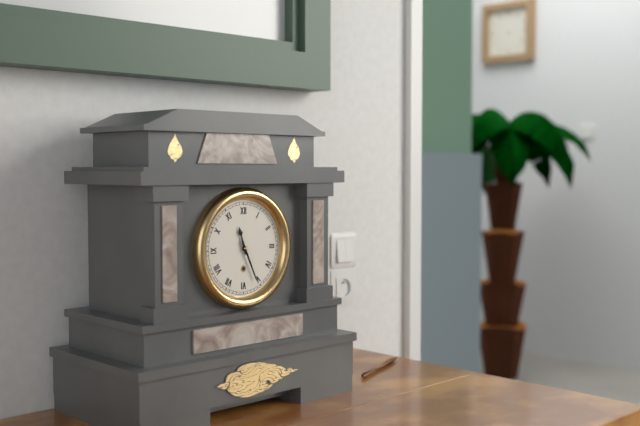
11:26
